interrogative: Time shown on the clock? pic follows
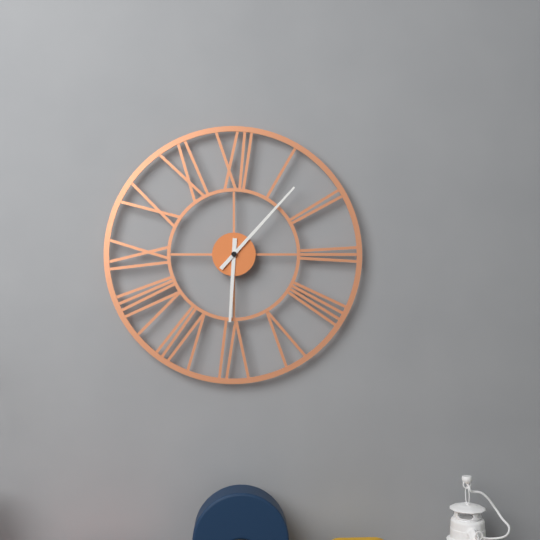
6:07
